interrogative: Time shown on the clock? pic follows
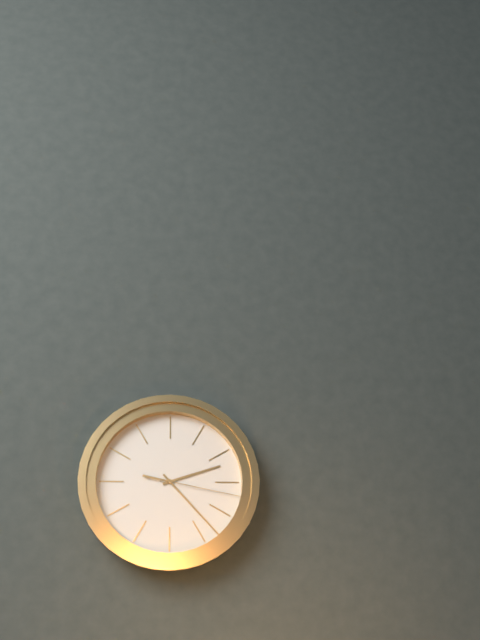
2:23:17
